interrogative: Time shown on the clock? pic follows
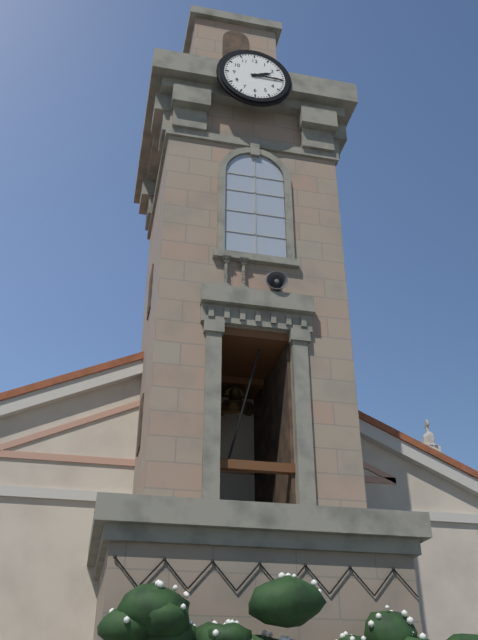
2:15
